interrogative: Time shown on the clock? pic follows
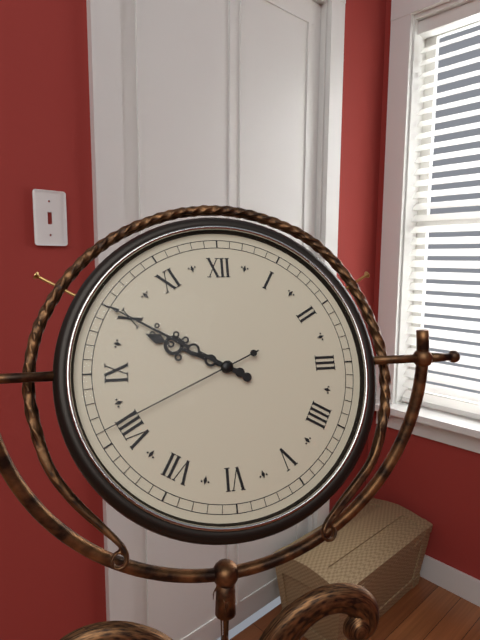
9:50:41
